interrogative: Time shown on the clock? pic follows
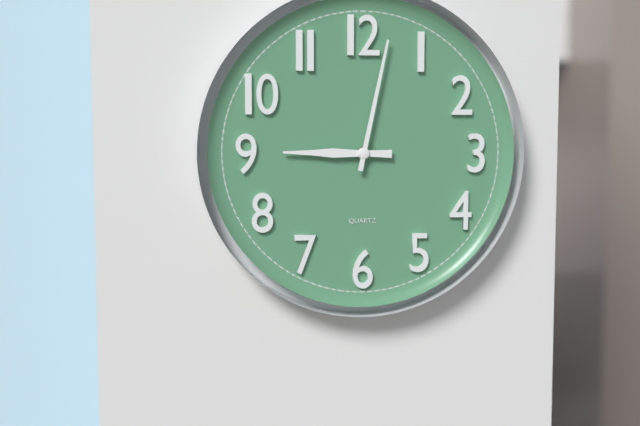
9:02
